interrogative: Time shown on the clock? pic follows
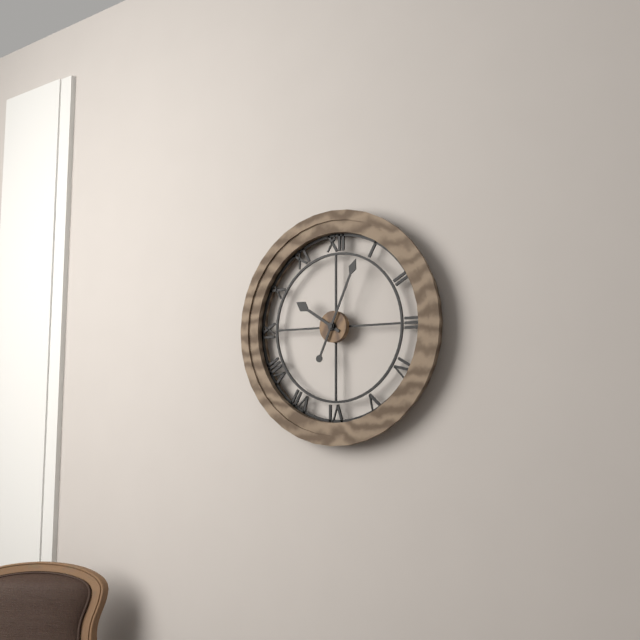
10:04
